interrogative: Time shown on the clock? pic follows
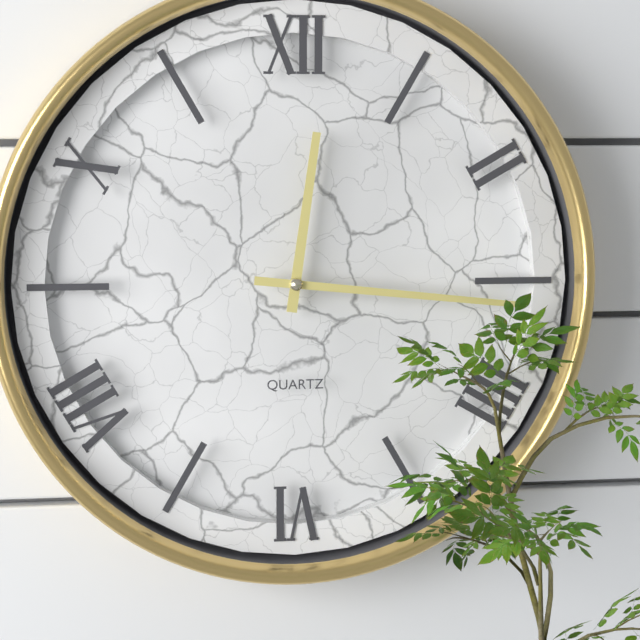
12:16
